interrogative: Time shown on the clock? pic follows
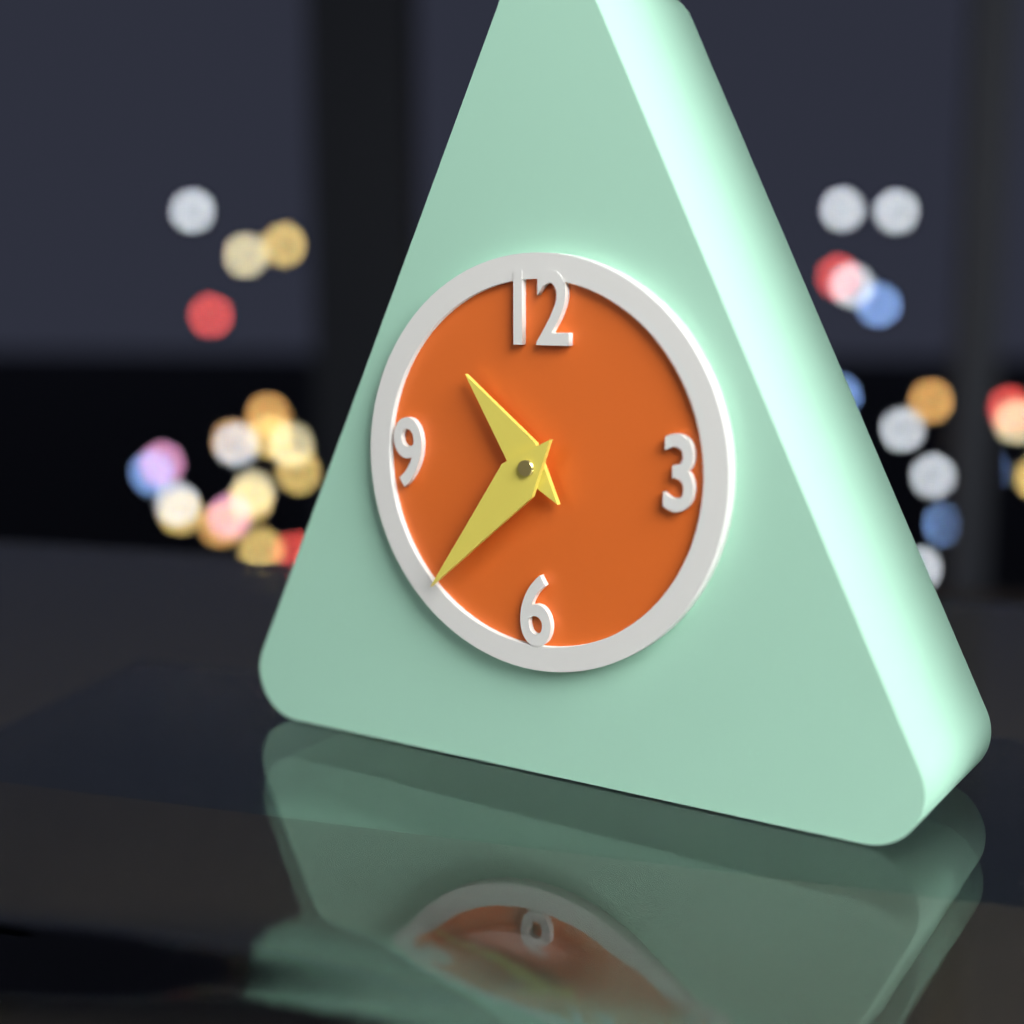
10:37
